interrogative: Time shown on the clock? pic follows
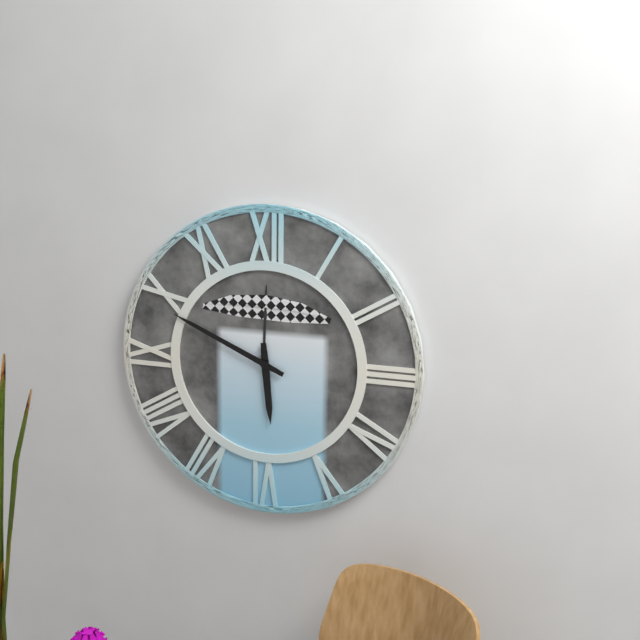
5:49
